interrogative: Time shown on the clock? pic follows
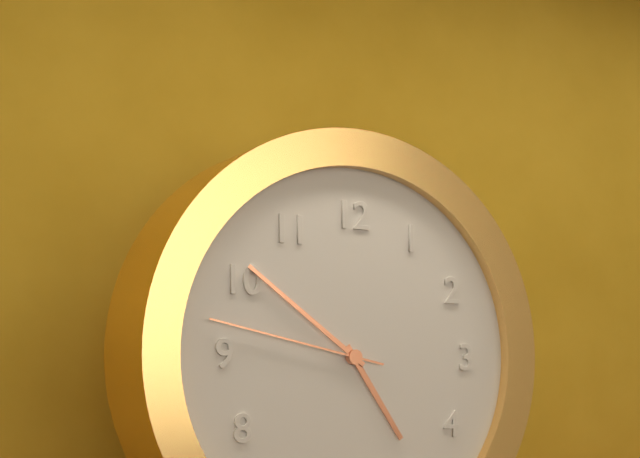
4:51:47
